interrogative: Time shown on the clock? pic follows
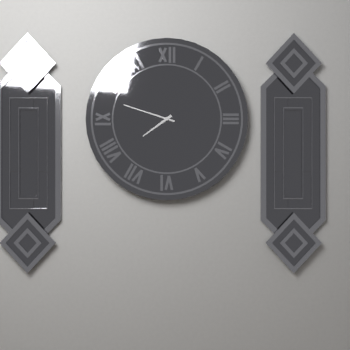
7:48
